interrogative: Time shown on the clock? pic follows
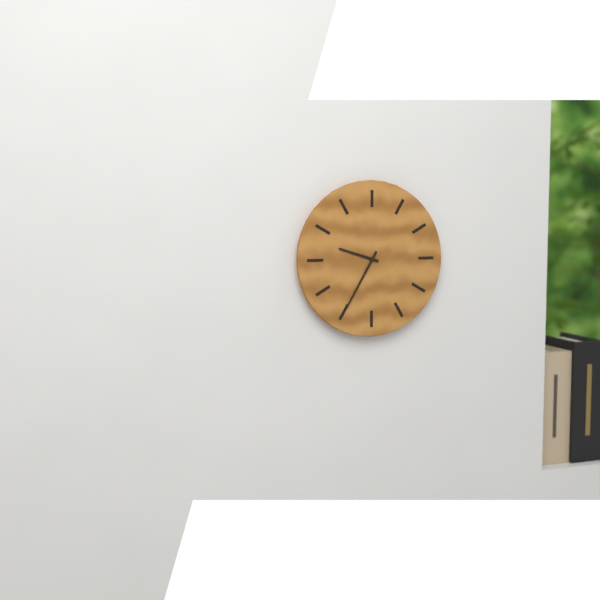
9:35
